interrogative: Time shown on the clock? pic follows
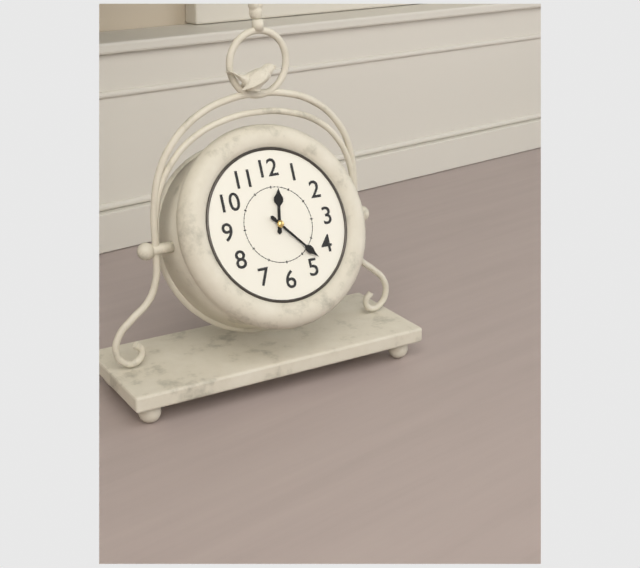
12:23
